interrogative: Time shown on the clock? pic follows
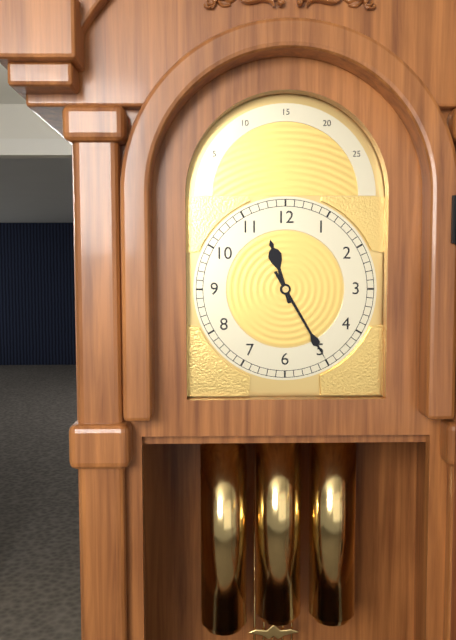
11:25
